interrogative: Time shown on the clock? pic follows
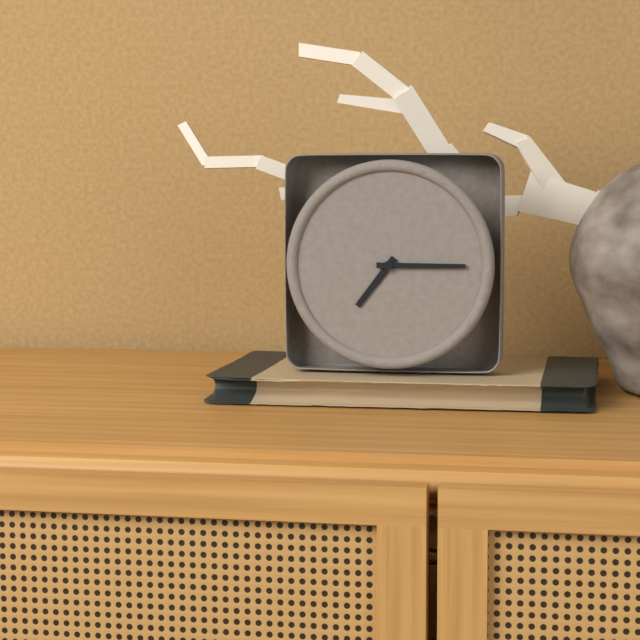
7:15
